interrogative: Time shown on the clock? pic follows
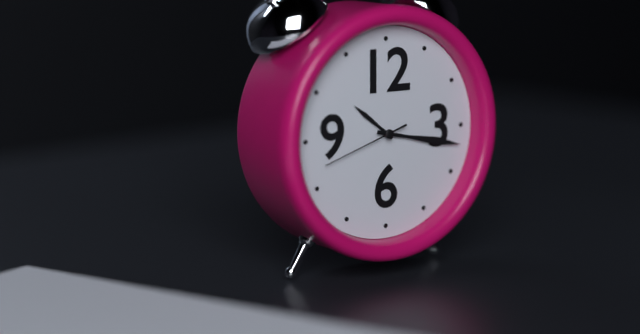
10:17:42
